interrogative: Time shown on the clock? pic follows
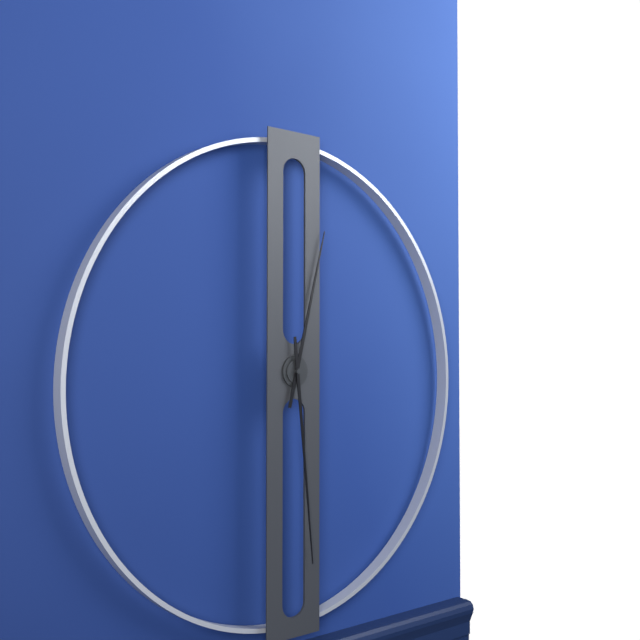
12:29
